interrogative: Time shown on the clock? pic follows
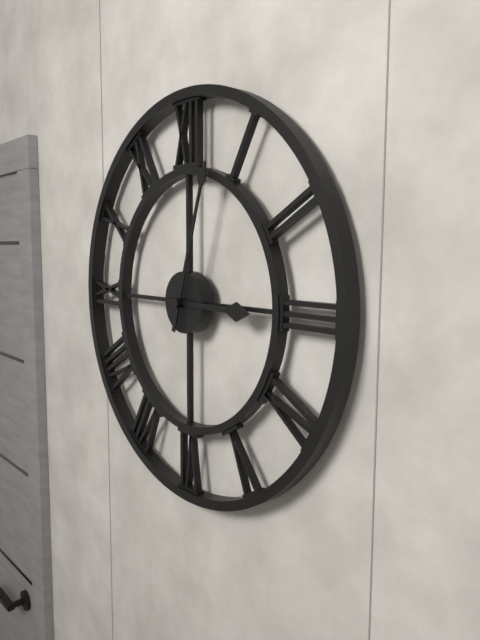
3:03
